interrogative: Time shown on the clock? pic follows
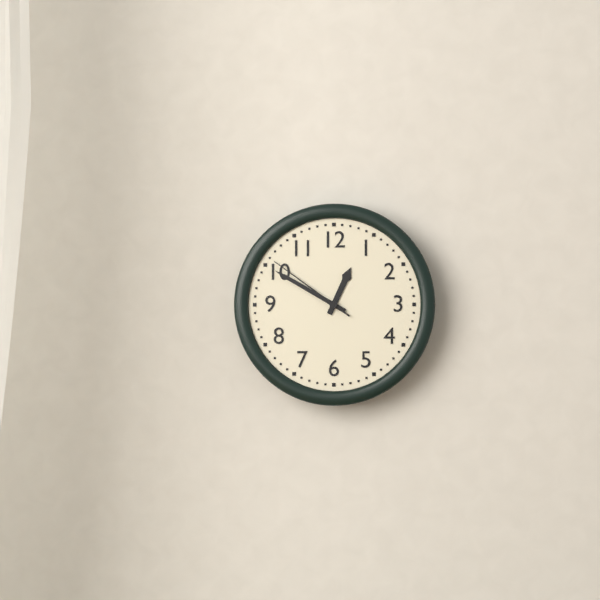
12:50:51
